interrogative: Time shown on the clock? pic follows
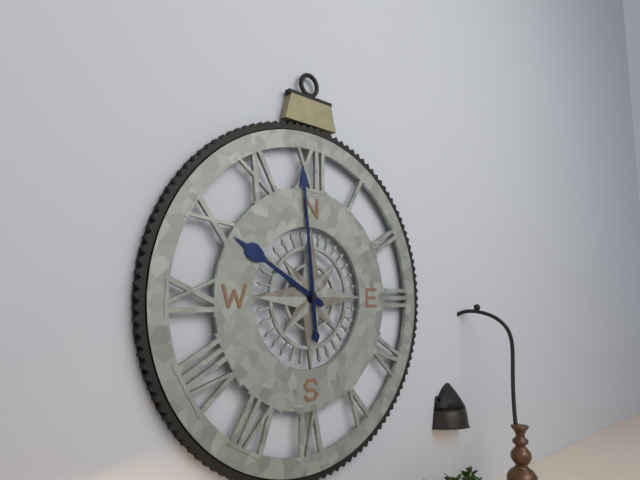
9:59
